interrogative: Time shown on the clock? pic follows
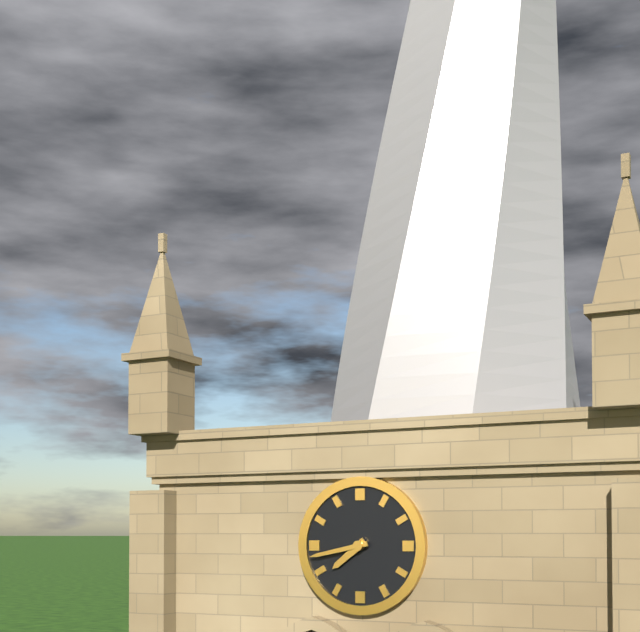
7:43
